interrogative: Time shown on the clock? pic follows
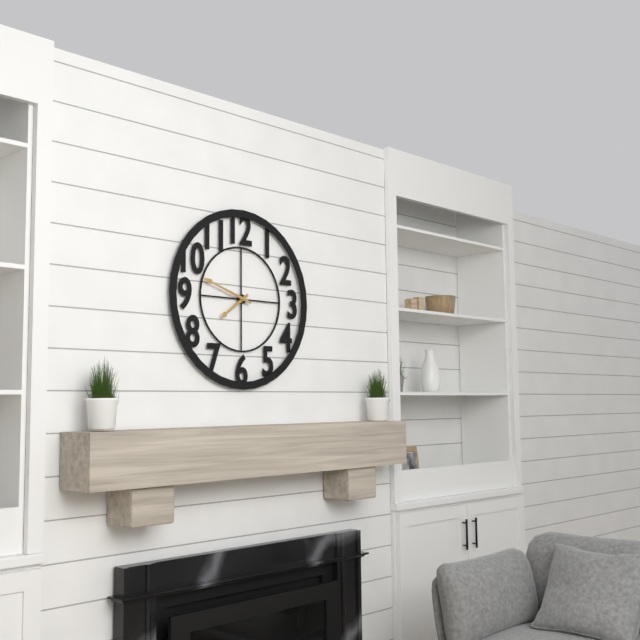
7:48
